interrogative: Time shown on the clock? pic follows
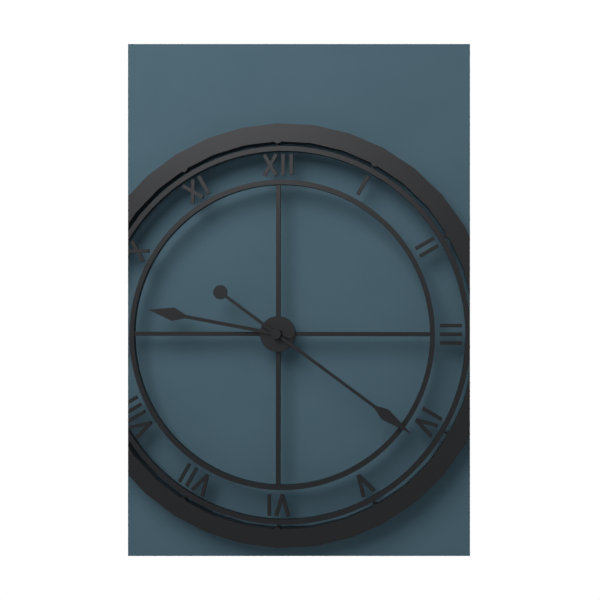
9:21
